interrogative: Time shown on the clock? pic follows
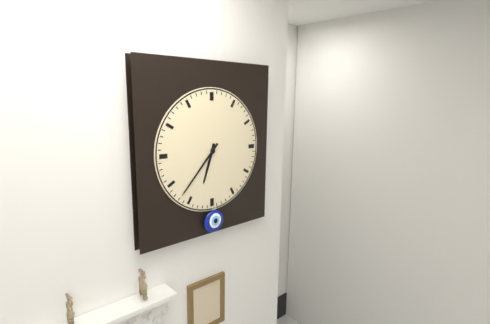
6:37
